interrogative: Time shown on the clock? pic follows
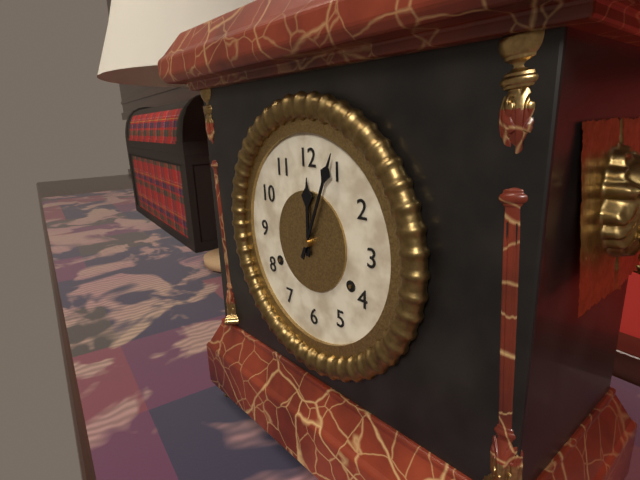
12:04
